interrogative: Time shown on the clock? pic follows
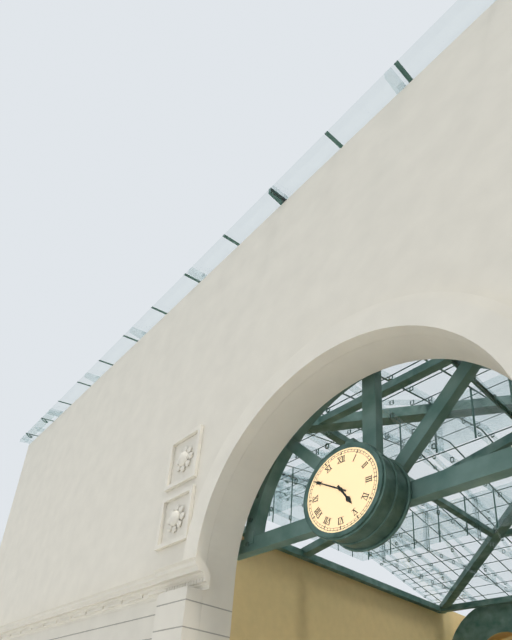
4:50
